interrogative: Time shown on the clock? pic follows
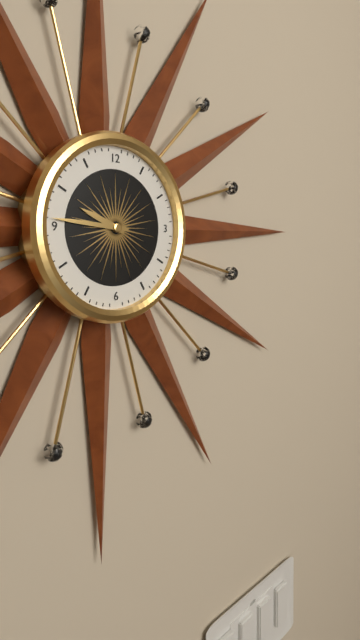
9:46
